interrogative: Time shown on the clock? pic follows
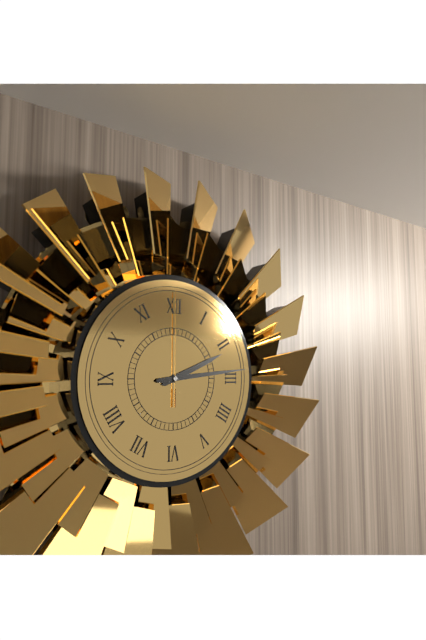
2:14:00
